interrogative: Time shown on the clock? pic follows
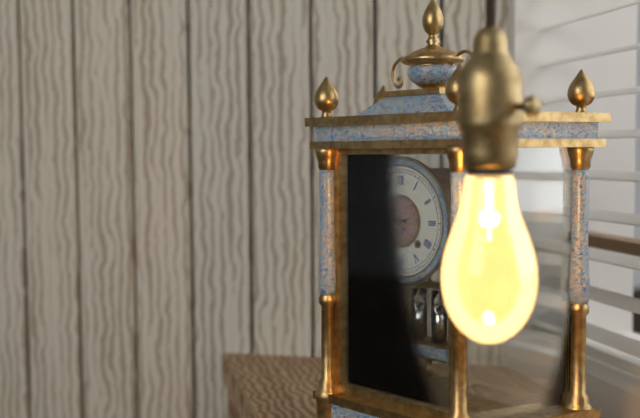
8:53
